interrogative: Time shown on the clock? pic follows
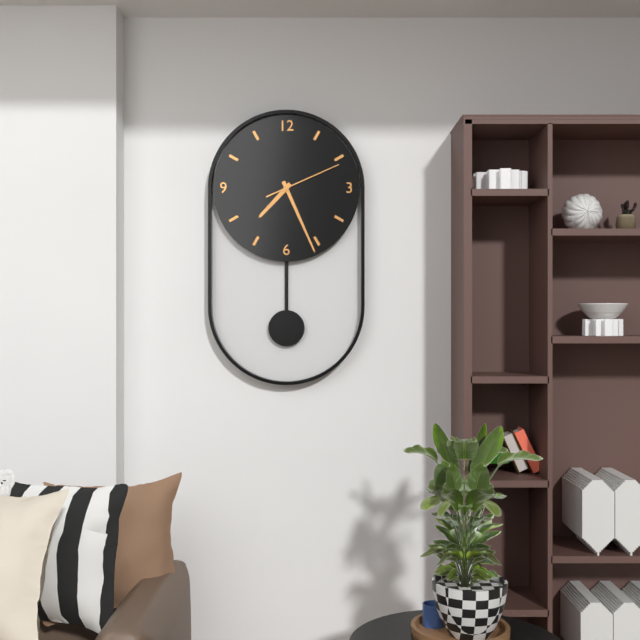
7:26:11
